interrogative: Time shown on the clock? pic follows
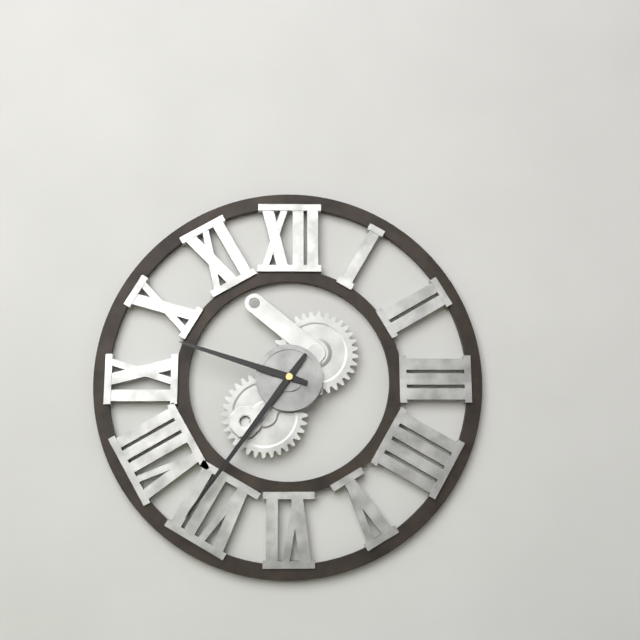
9:36
